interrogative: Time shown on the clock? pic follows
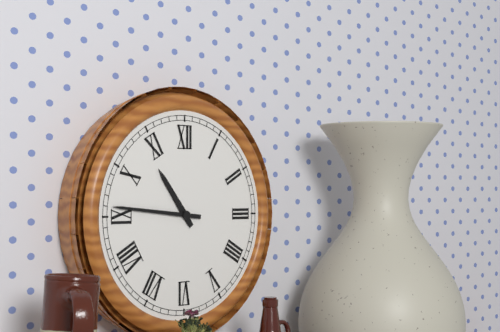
10:46
